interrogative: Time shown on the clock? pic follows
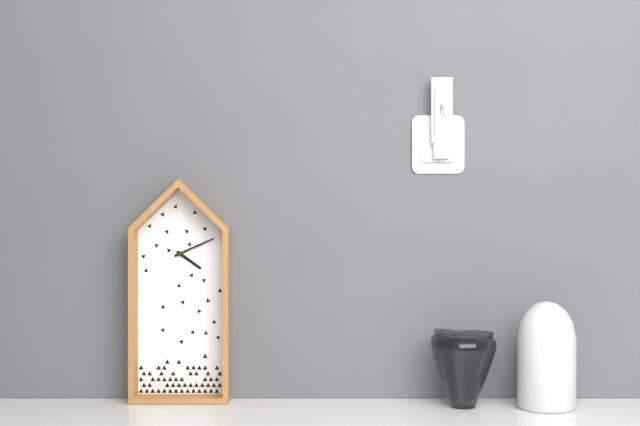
4:11
